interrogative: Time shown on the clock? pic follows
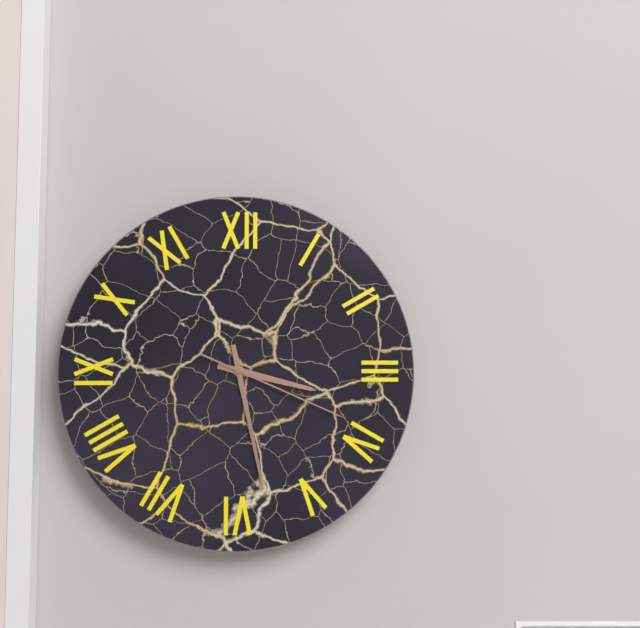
3:28:19
